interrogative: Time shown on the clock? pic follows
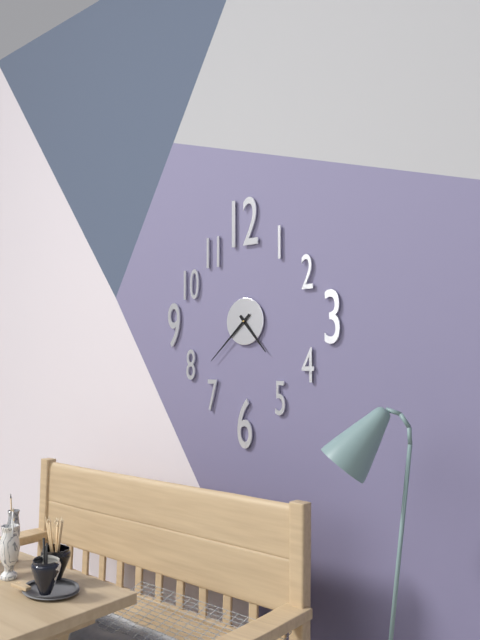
4:38
